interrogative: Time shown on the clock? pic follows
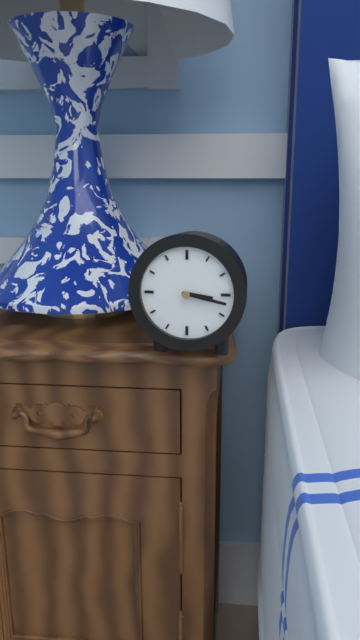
3:17
